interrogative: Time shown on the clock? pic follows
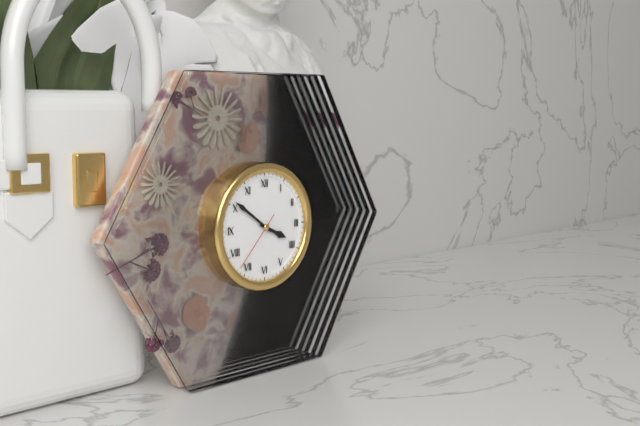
3:51:37
